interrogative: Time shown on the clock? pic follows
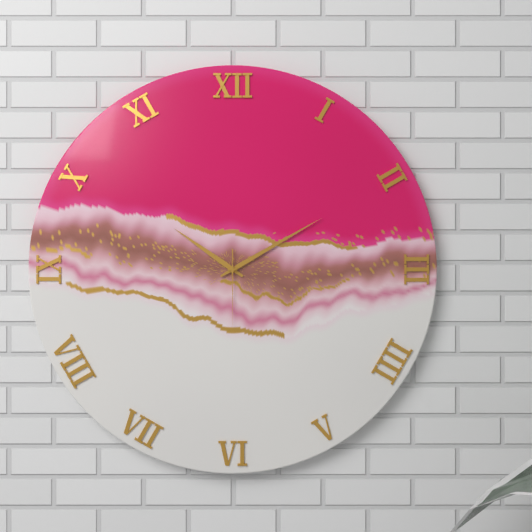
10:10:30
